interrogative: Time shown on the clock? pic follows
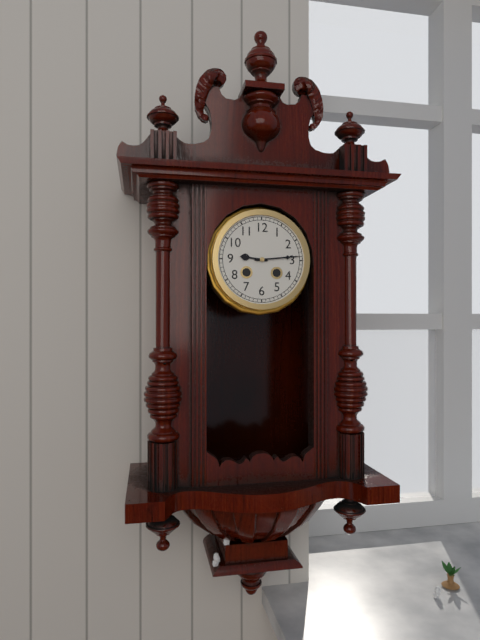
9:14
